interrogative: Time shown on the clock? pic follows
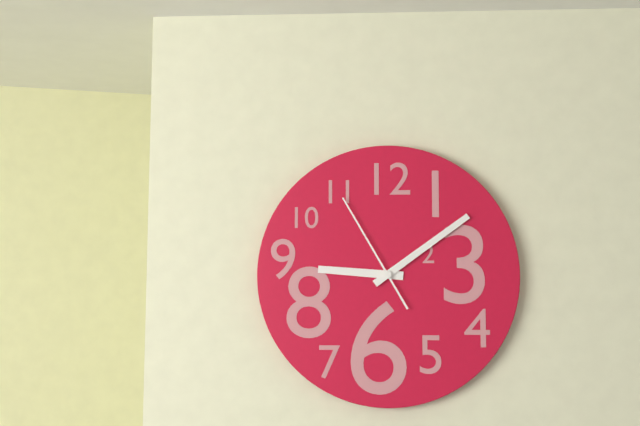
9:09:55
